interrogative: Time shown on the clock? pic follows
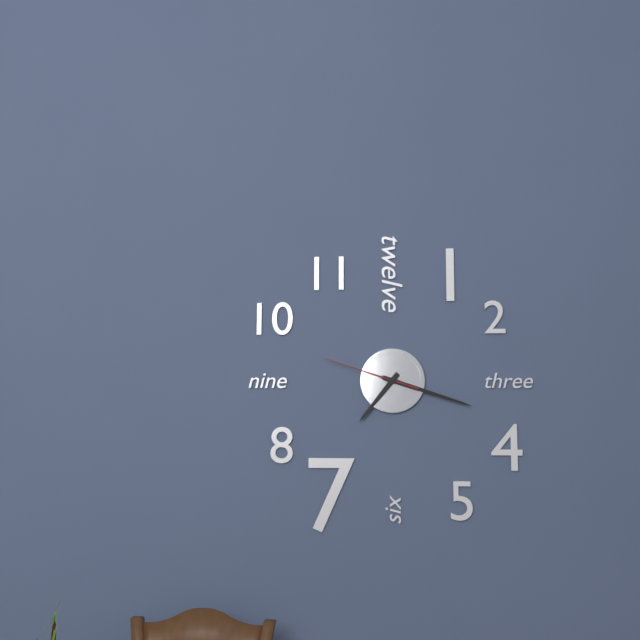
7:18:48
